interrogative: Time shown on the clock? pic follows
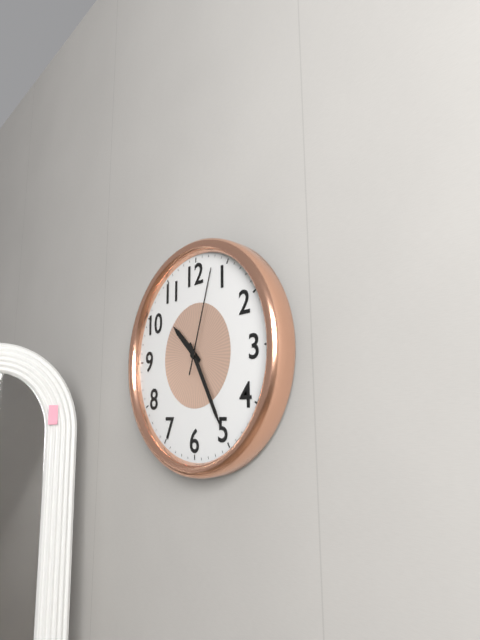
10:25:03
